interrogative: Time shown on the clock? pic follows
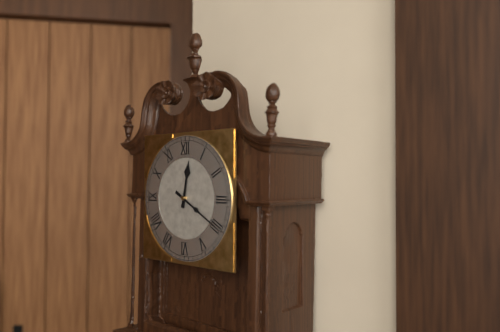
12:20
